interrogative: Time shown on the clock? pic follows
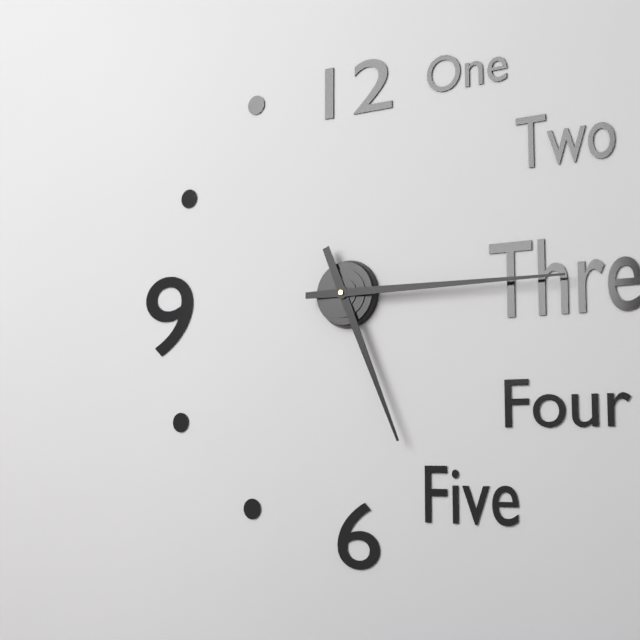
5:15
